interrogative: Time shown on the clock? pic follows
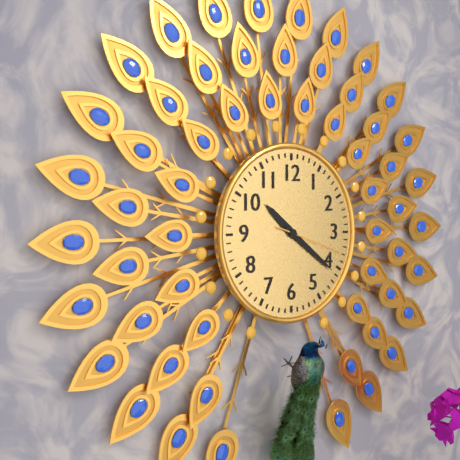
10:21:18
